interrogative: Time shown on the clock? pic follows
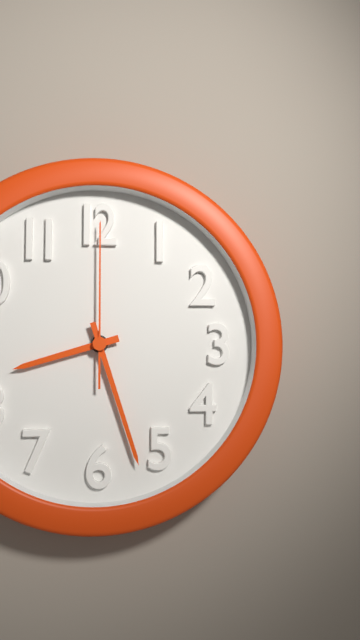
8:27:00
